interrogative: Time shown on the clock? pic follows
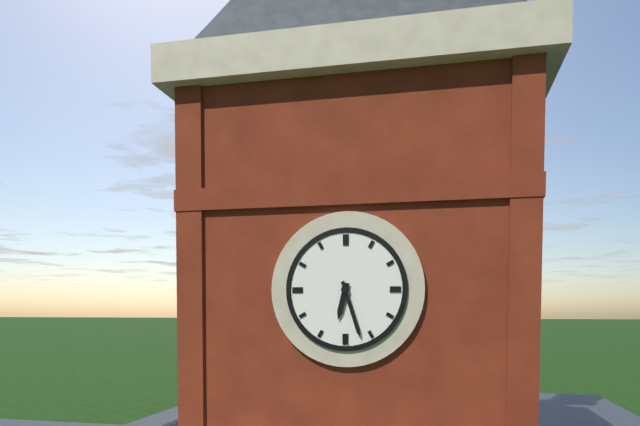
6:27
